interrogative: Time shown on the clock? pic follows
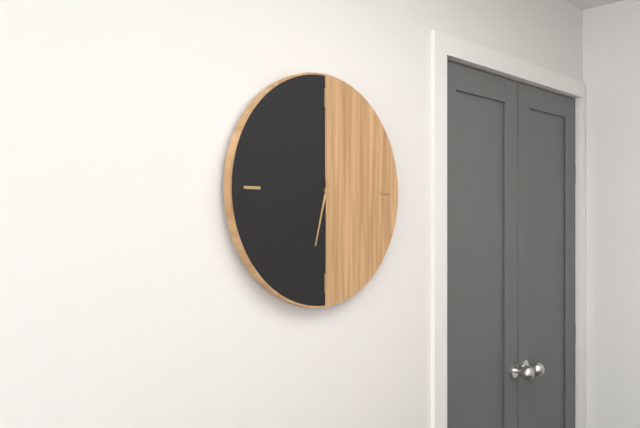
6:30
